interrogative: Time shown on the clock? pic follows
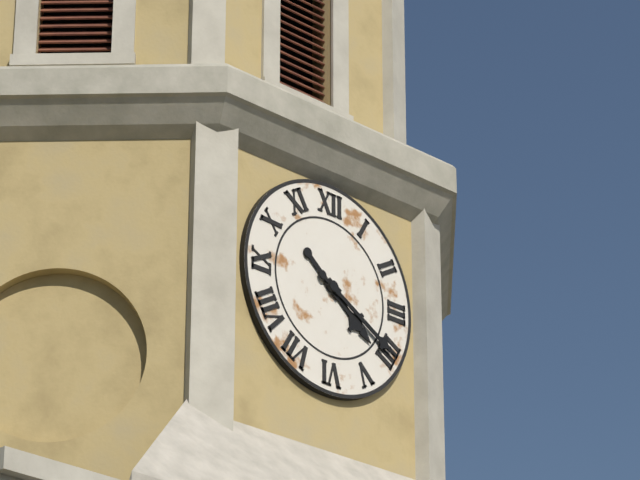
4:20
